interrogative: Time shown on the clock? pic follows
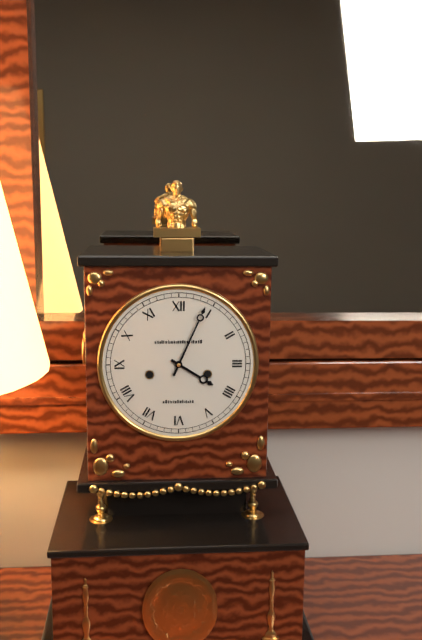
4:04
